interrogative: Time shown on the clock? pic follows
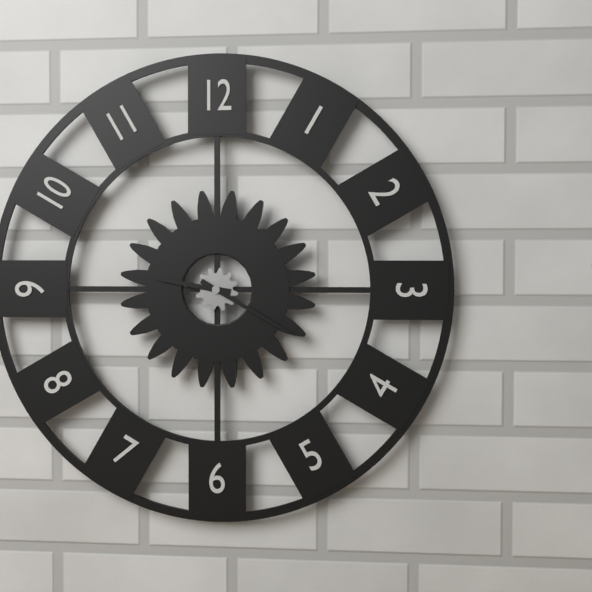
9:20
